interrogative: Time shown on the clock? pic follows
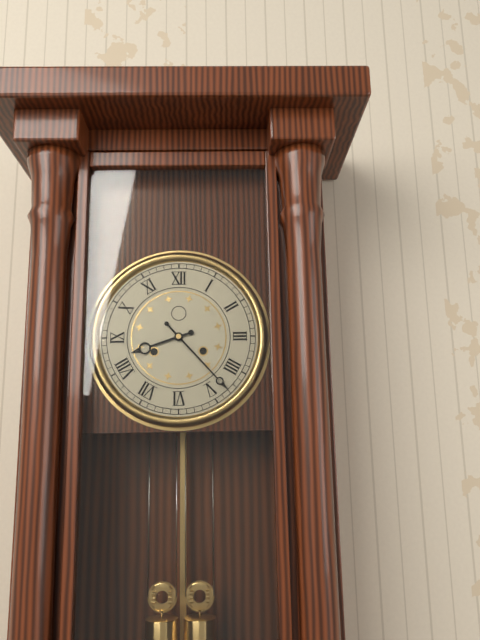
8:23
